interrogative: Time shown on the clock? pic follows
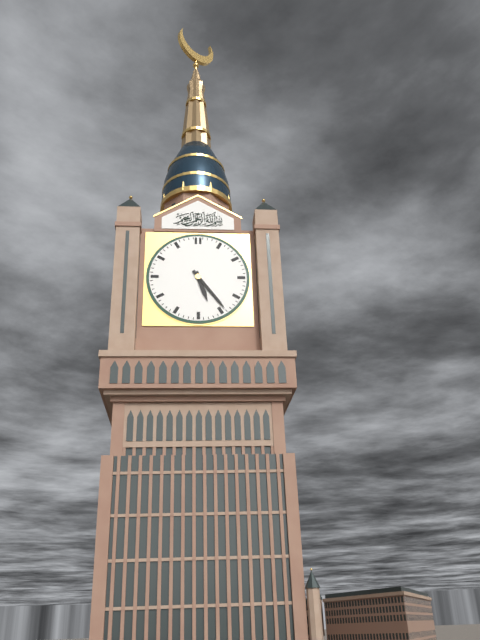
5:24
